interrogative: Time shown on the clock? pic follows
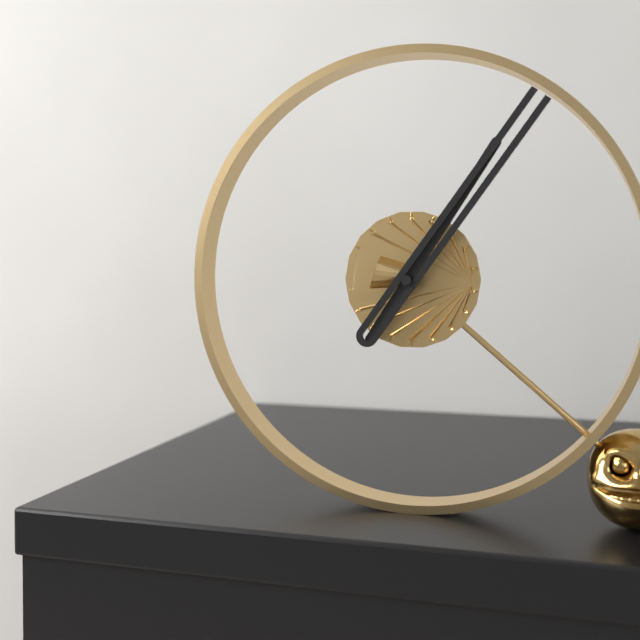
1:06
